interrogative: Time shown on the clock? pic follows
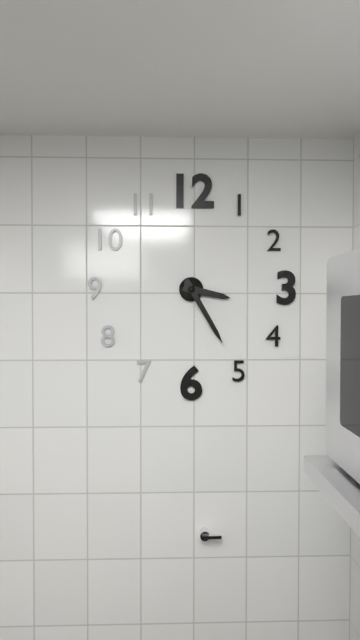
3:25
